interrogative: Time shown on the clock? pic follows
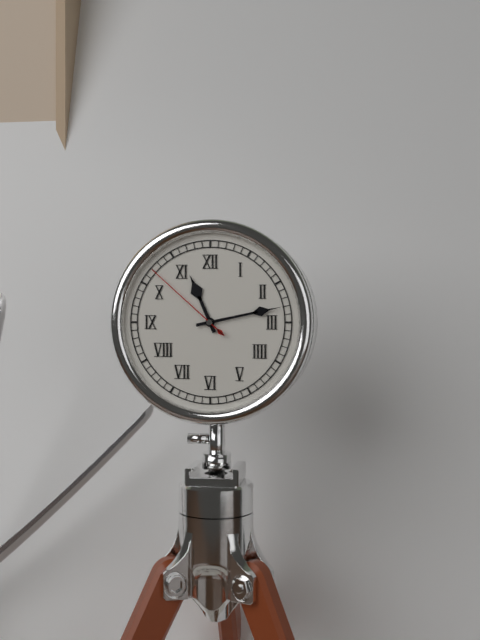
11:13:52
